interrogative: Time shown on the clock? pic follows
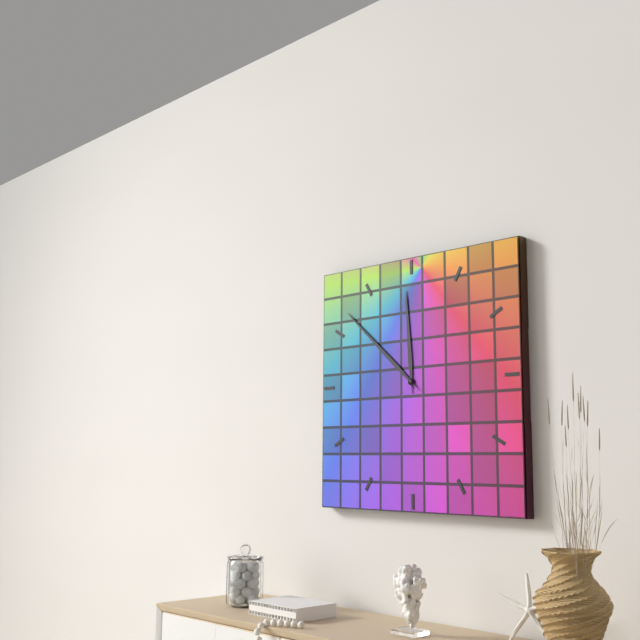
11:52
